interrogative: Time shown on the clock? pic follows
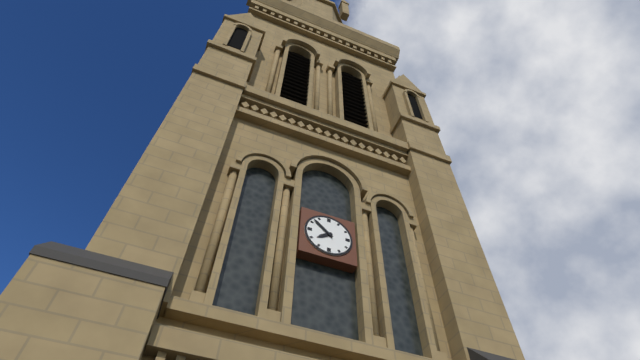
7:52
